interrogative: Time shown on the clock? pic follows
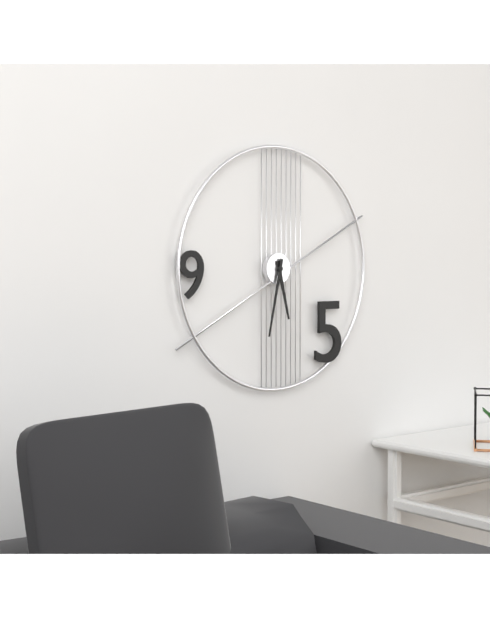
5:32
